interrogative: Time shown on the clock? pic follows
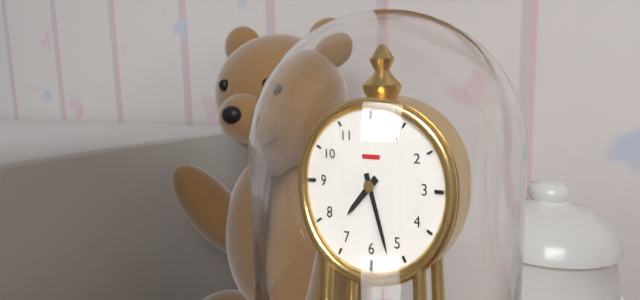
7:27
